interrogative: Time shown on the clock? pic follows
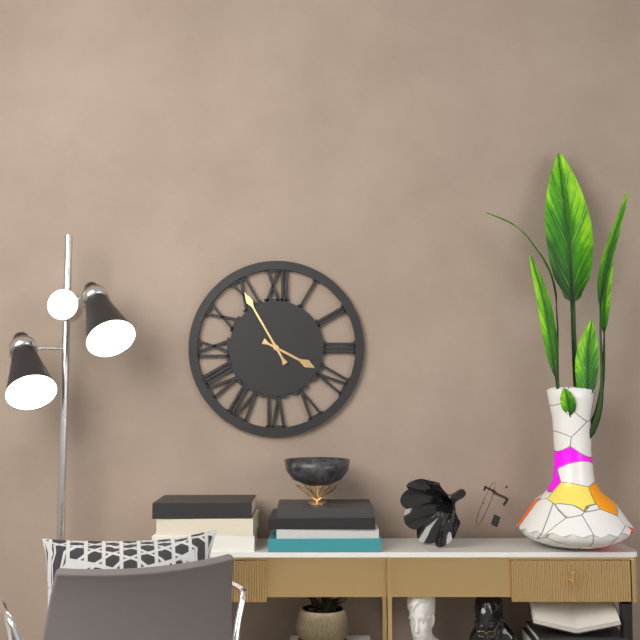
3:55
